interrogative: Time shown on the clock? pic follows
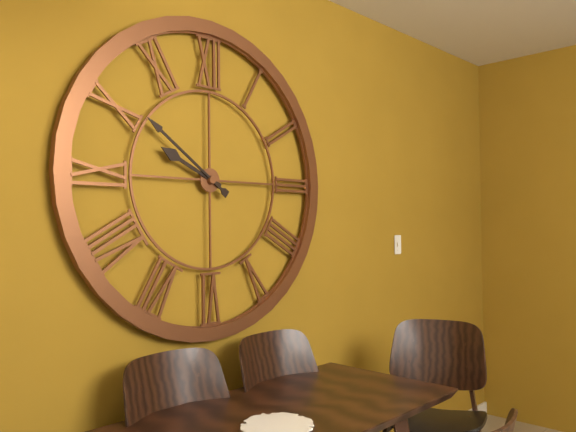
9:51
